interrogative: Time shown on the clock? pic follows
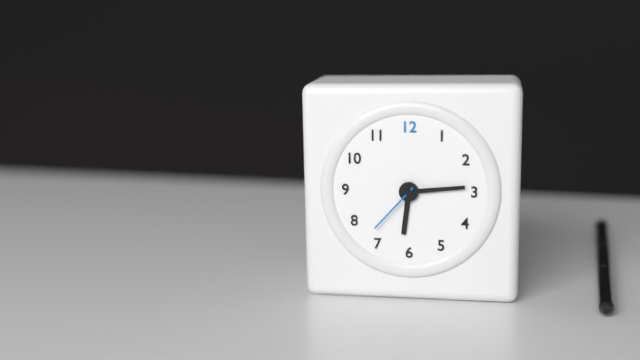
6:14:37
